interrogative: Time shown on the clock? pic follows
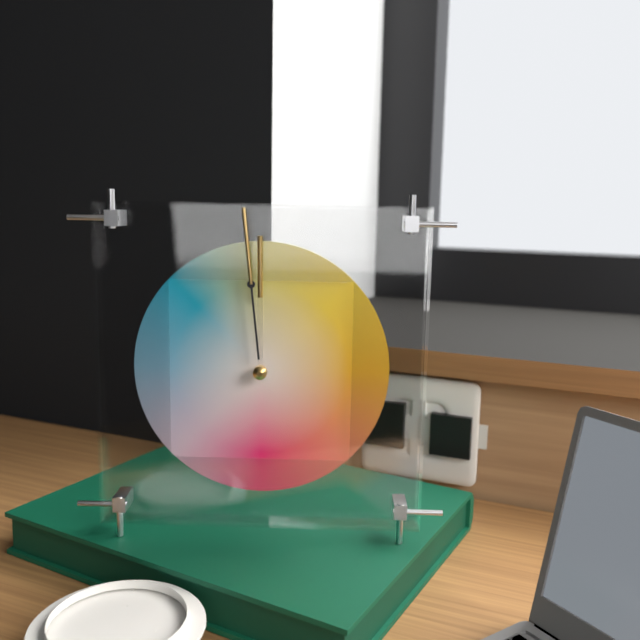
11:59
